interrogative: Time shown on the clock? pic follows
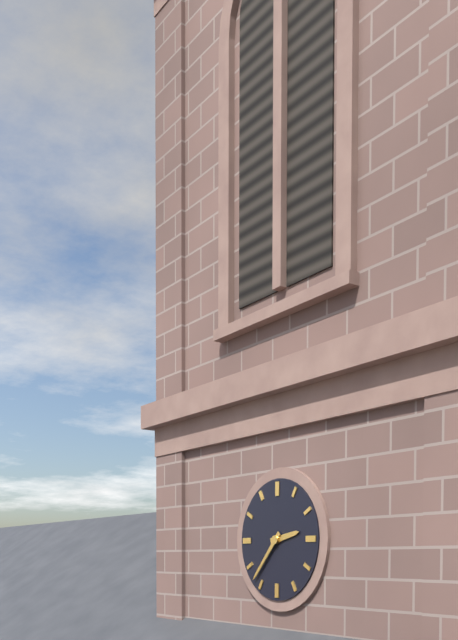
2:37
